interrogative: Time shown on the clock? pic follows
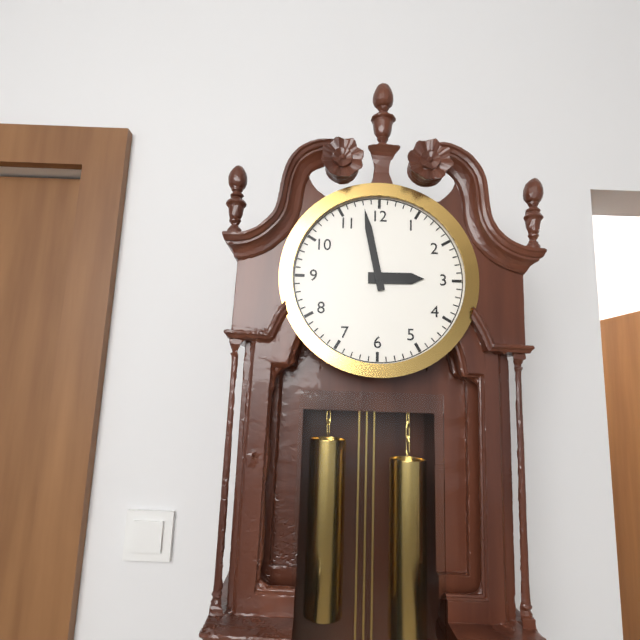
2:58
